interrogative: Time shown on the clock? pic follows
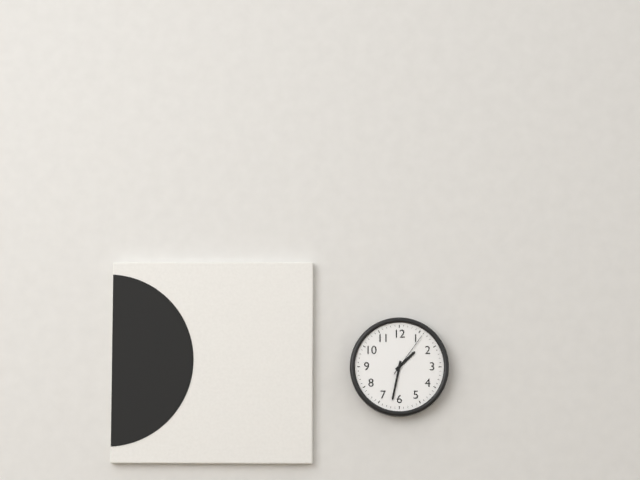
1:32
